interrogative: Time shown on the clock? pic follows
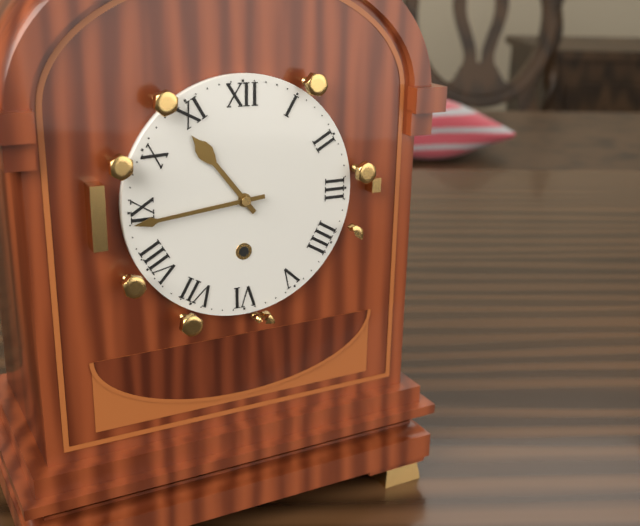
10:44
